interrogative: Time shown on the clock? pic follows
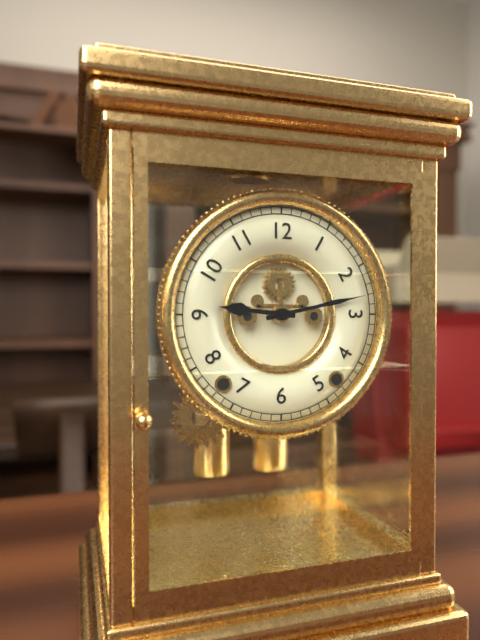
9:13
